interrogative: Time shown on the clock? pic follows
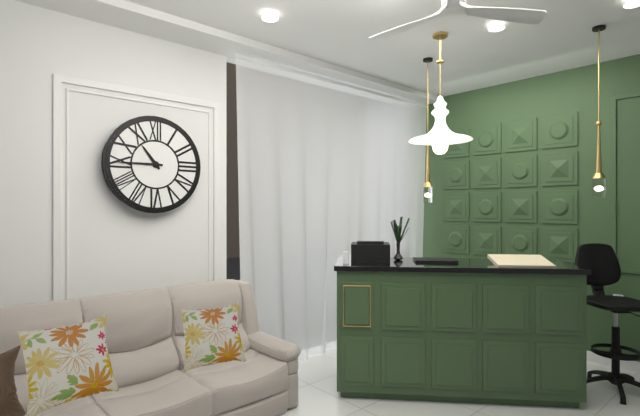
10:45
